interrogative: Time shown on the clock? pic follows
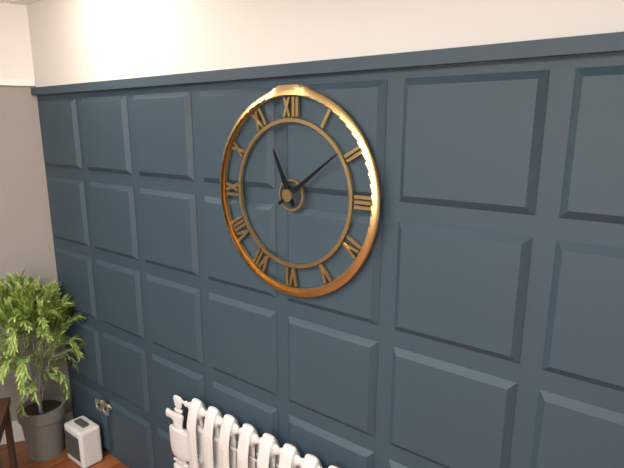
11:09
